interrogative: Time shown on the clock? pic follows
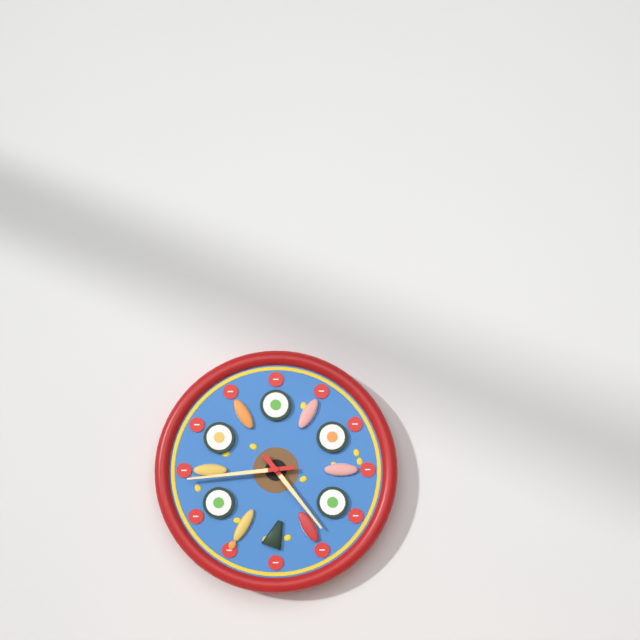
4:44
